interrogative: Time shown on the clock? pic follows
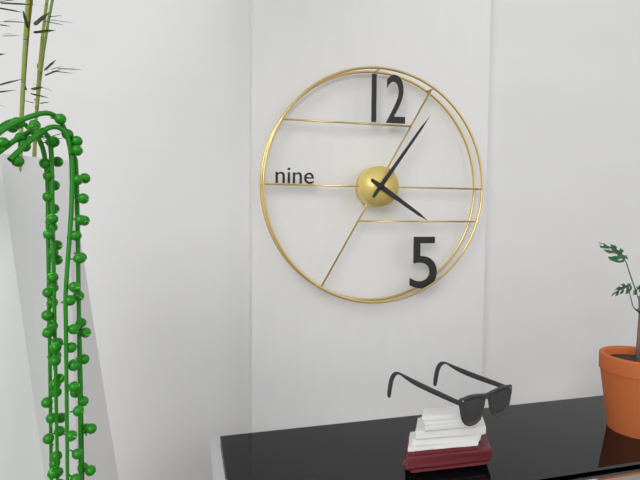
4:06
